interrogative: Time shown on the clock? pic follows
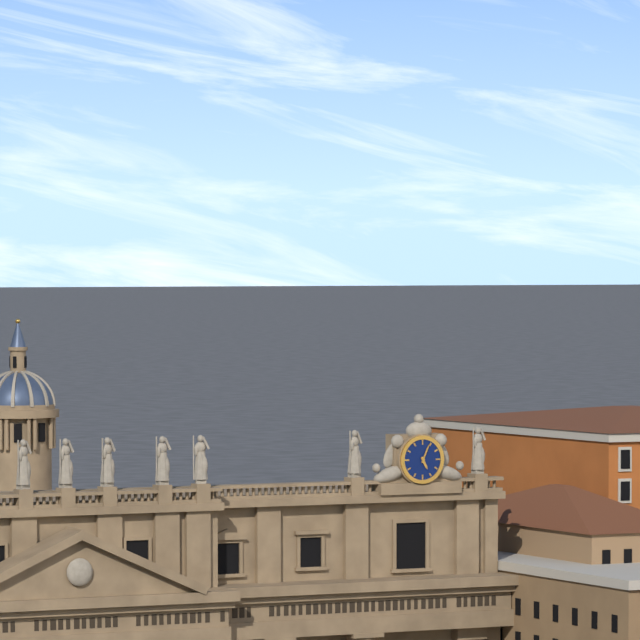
5:04
